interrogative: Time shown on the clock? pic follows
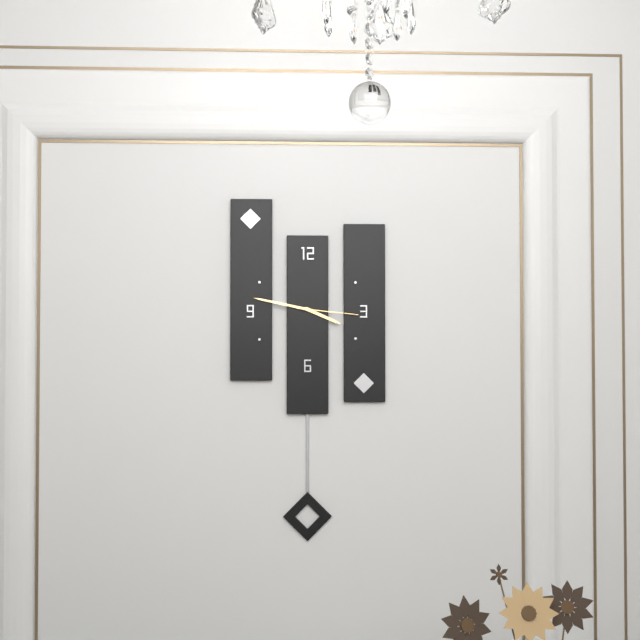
3:47:16
